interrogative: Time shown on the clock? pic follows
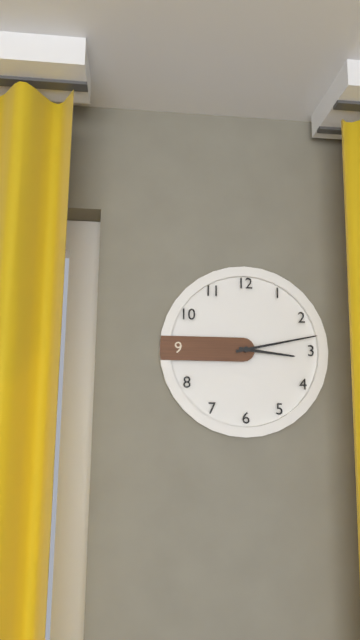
3:13
